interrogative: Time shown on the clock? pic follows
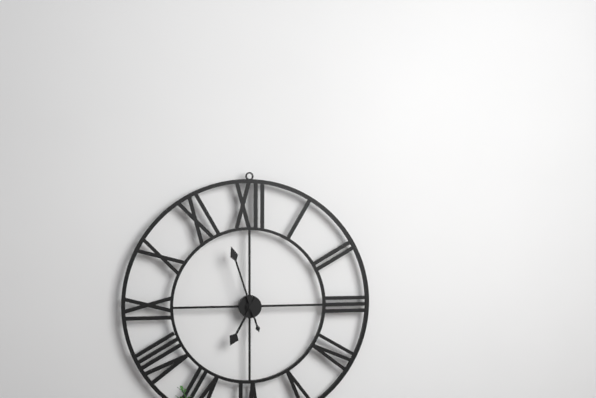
6:57
